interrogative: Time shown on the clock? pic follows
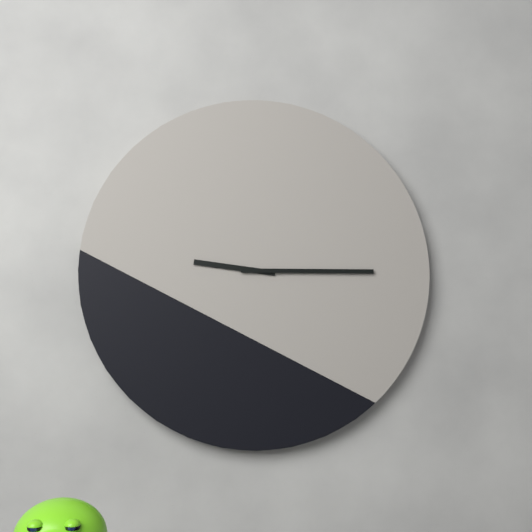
9:15
